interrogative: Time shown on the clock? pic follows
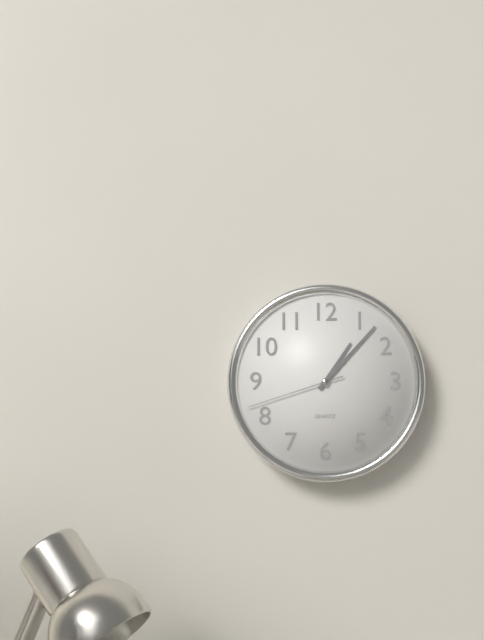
1:07:42
